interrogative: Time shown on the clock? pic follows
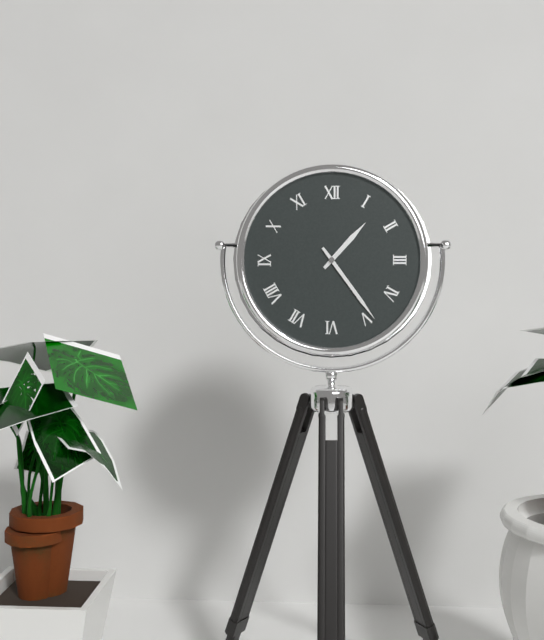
1:24
